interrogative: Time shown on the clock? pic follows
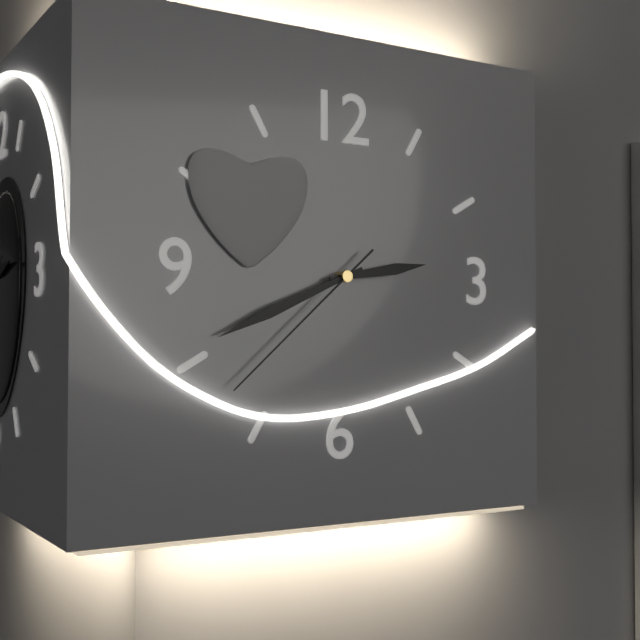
2:41:38
